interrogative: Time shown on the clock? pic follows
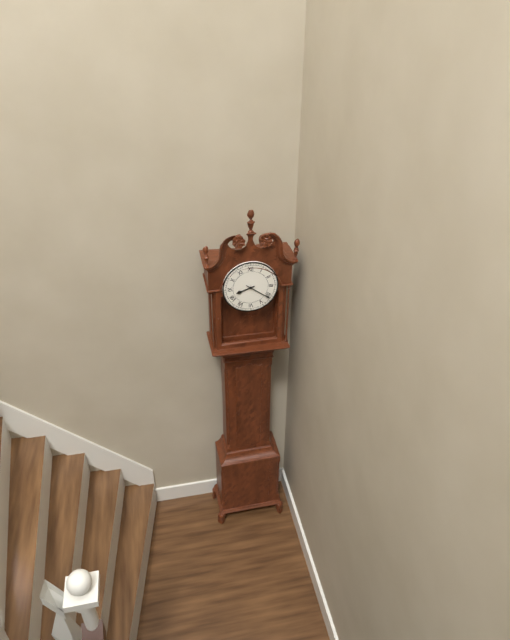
8:21
